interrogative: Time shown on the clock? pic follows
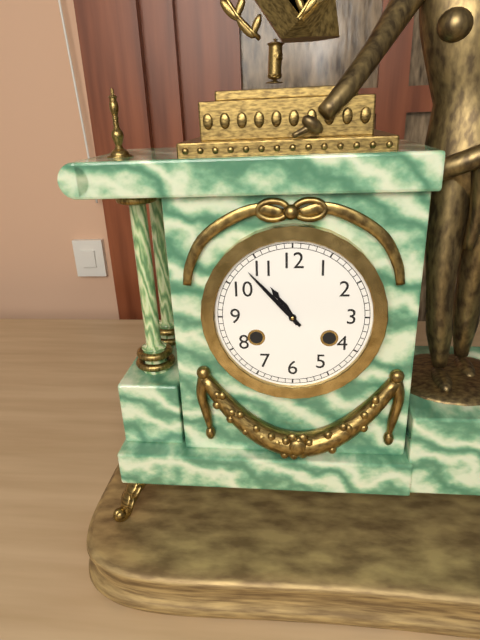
10:53
